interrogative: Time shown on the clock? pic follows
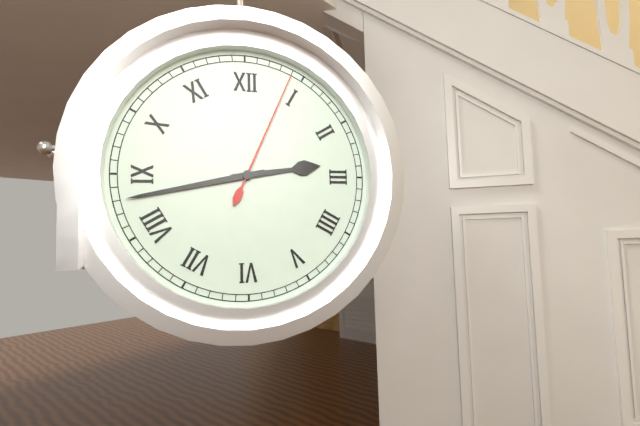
2:43:04
